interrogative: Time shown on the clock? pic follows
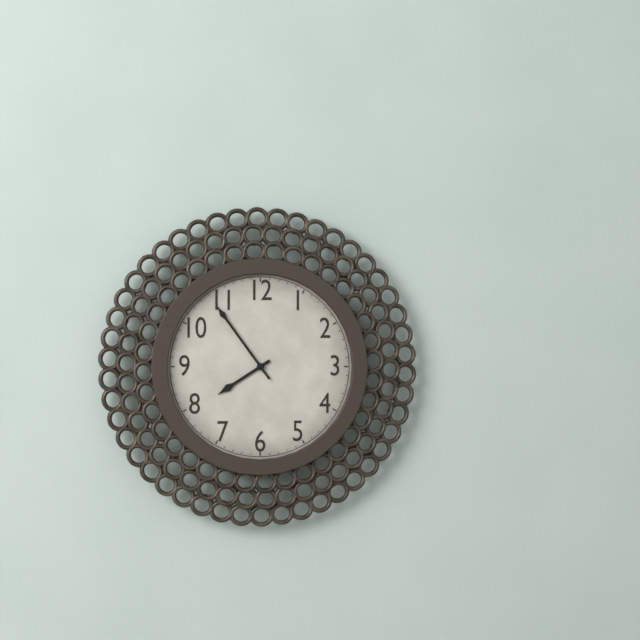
7:54
